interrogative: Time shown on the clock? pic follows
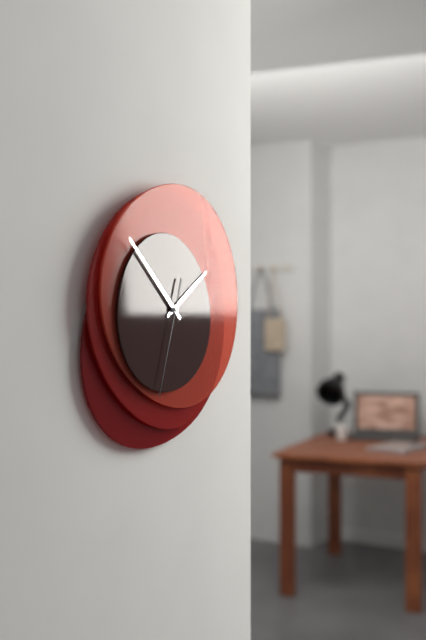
1:52:33
